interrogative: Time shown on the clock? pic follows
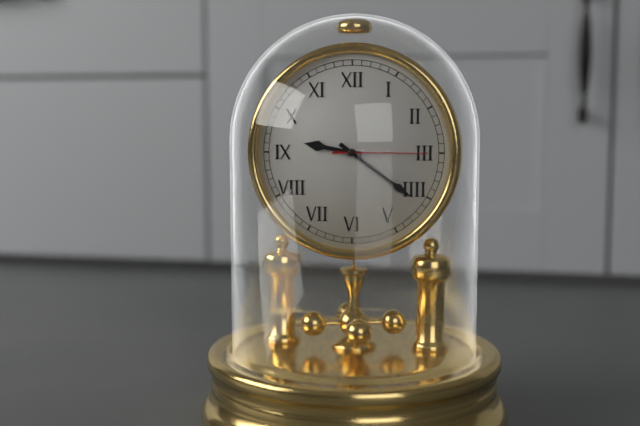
9:21:15
